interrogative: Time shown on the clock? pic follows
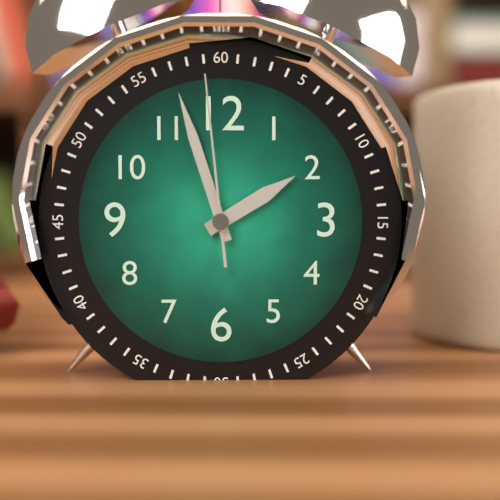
1:57:59
